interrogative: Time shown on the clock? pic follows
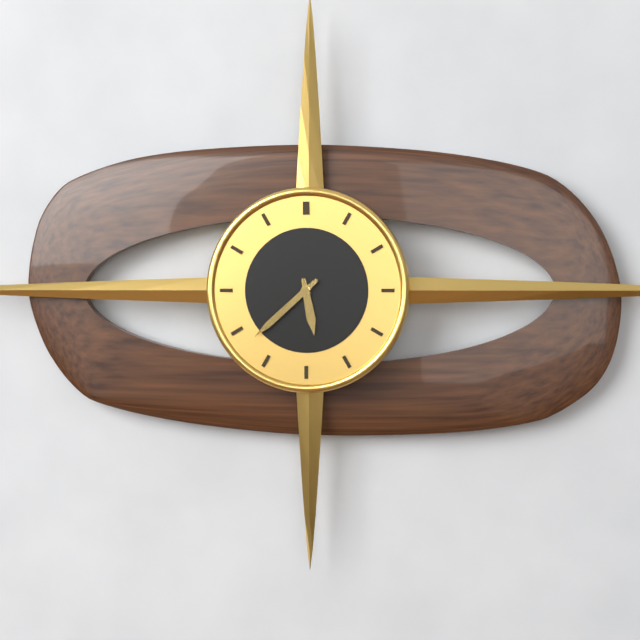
5:38
